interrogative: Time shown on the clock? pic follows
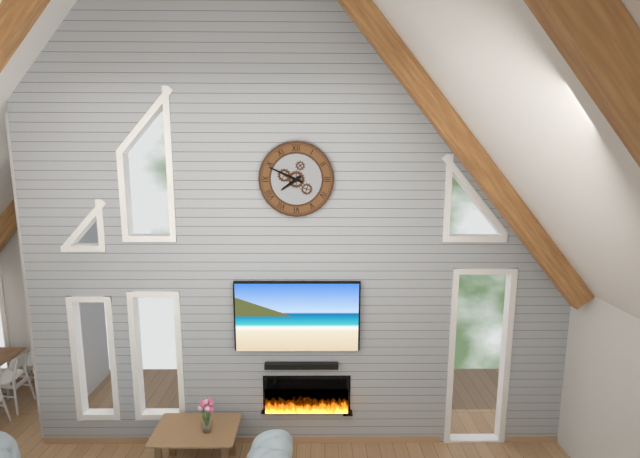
7:49
